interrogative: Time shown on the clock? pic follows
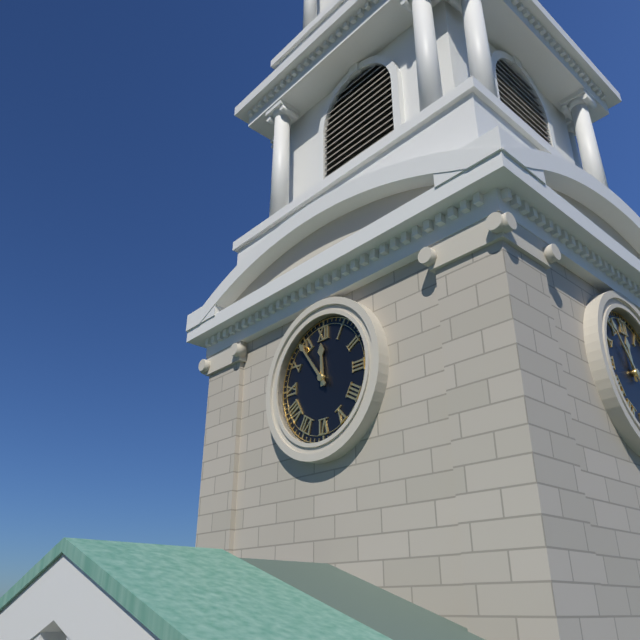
11:54
